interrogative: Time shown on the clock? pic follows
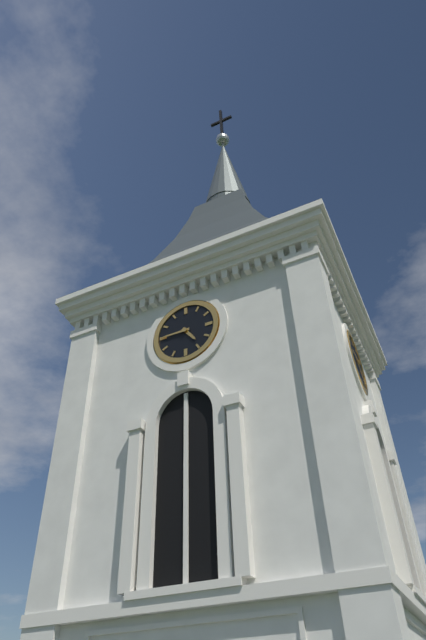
4:45
